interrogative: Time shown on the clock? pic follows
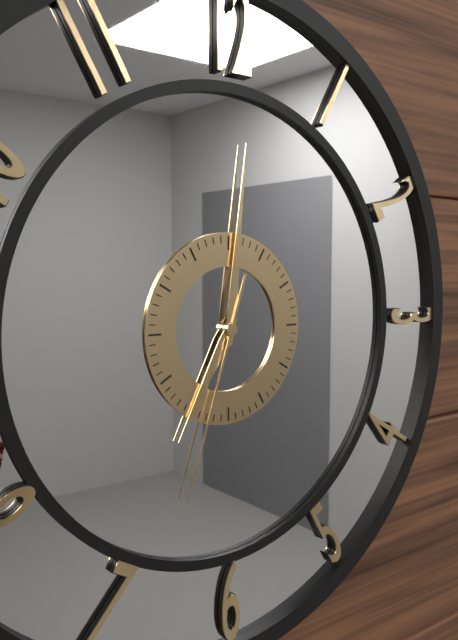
7:01:33
